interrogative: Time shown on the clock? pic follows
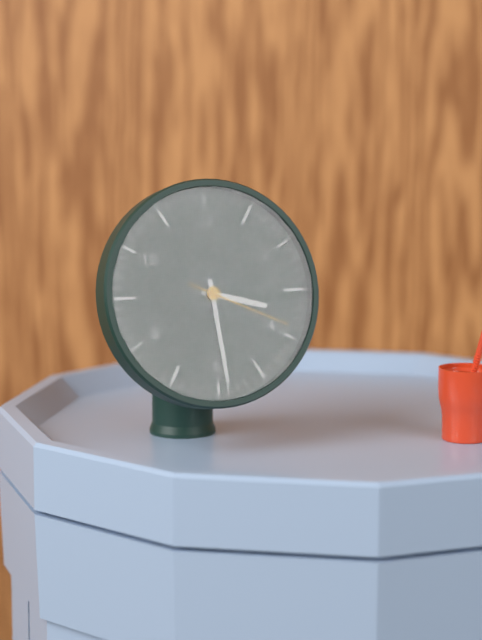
3:29:19
